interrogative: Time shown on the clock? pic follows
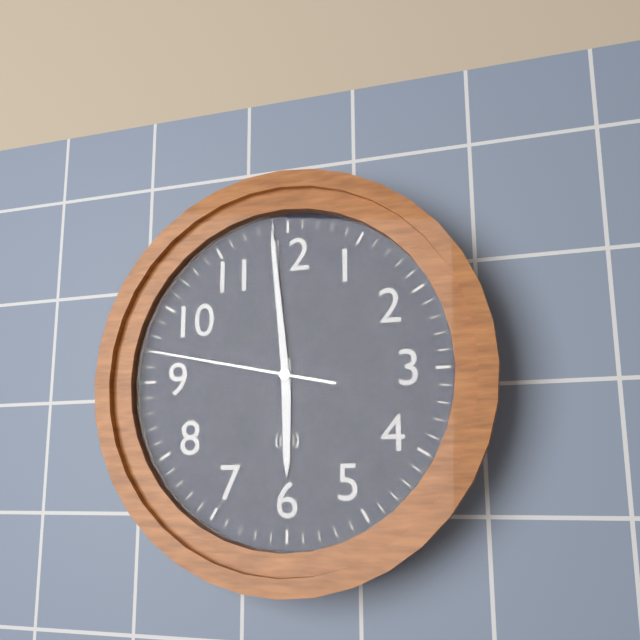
5:59:47
